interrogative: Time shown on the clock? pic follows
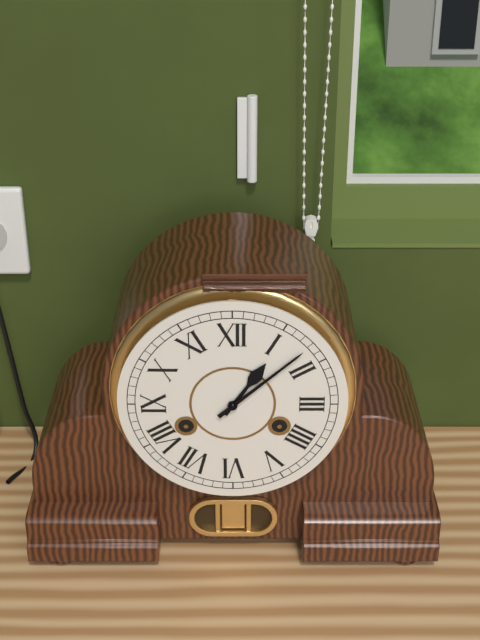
1:08
